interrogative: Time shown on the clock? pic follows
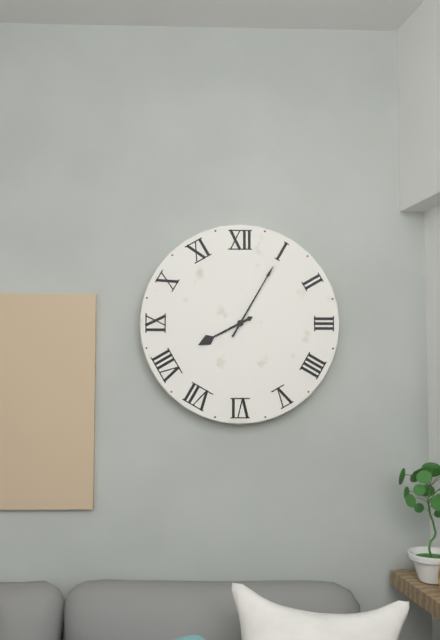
8:05
